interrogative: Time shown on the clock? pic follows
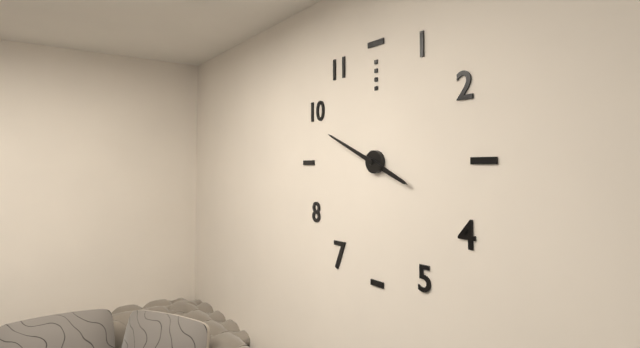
3:49
